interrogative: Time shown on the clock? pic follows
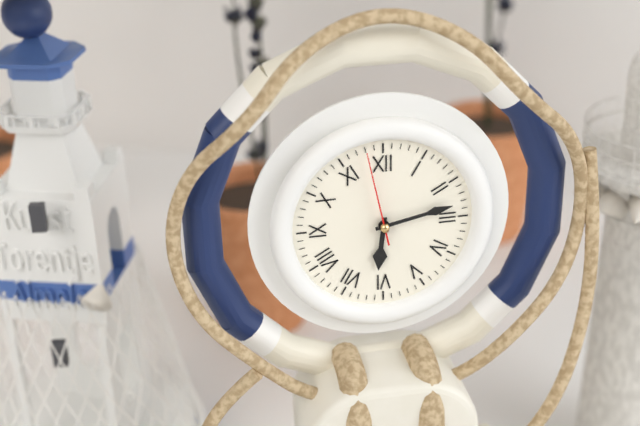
6:13:58
